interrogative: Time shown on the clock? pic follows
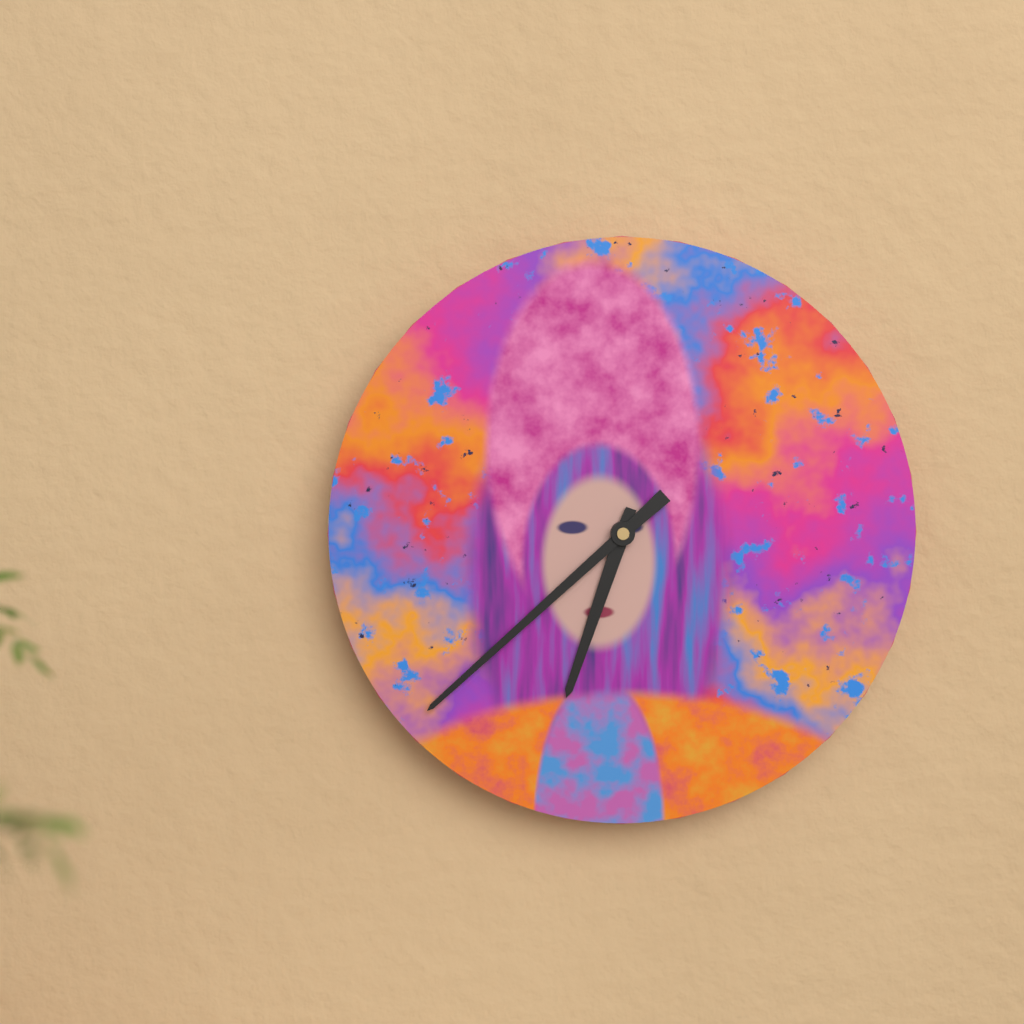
6:38
